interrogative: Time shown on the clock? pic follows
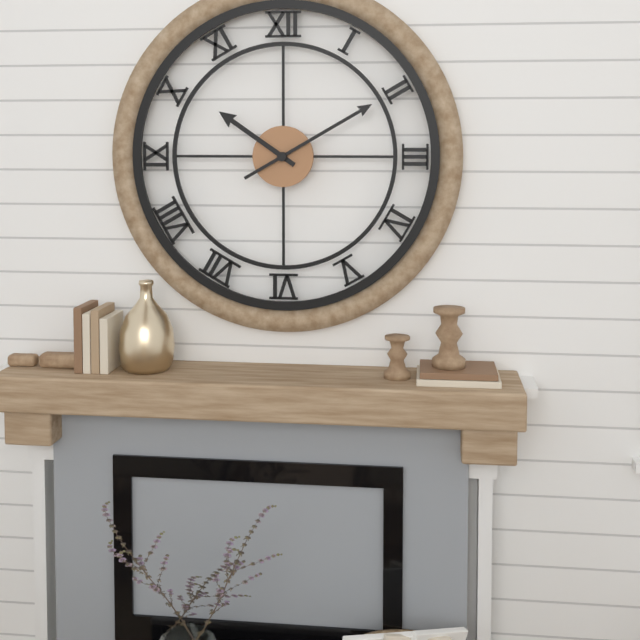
10:10
